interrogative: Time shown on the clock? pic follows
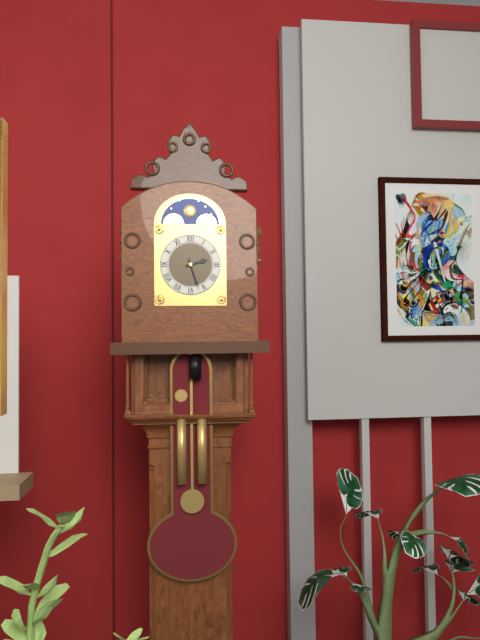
2:27
